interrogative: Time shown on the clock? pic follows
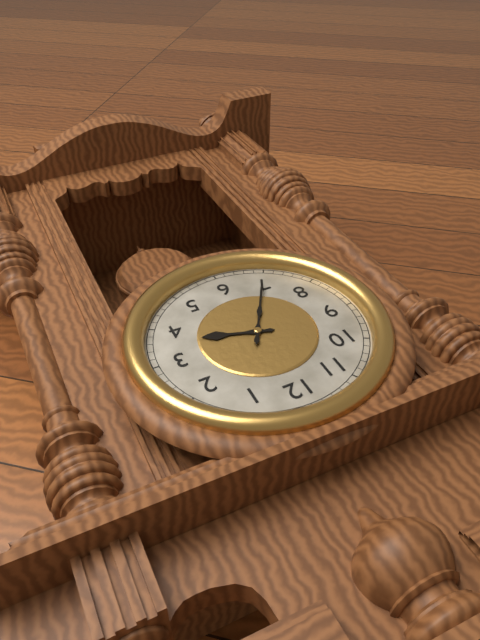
3:35
